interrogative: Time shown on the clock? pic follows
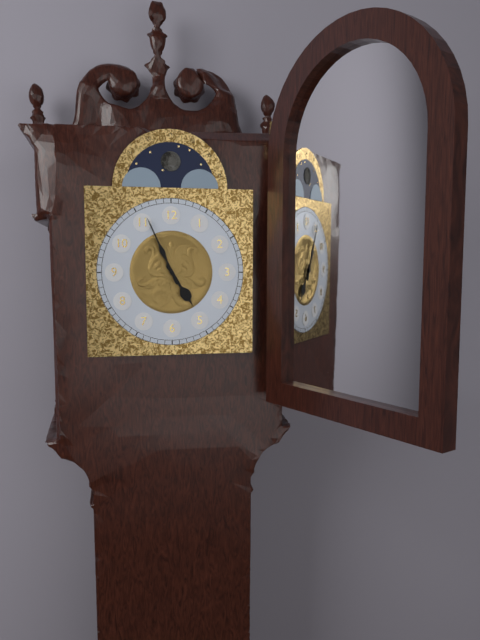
4:56
